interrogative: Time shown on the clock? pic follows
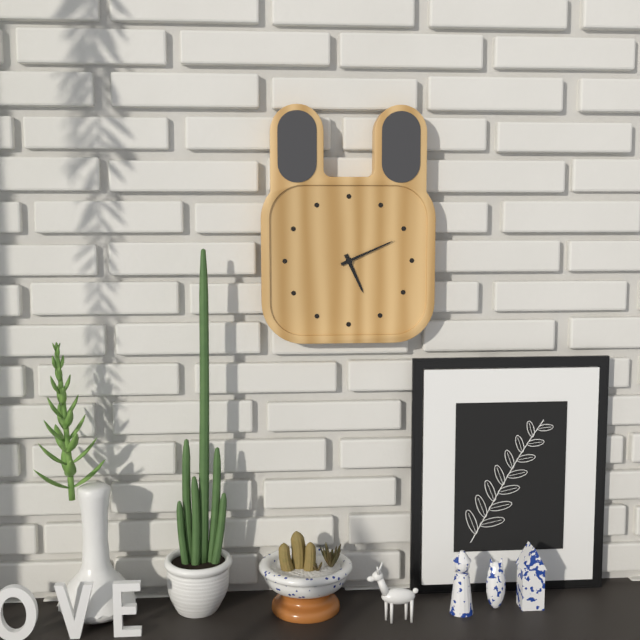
5:11
